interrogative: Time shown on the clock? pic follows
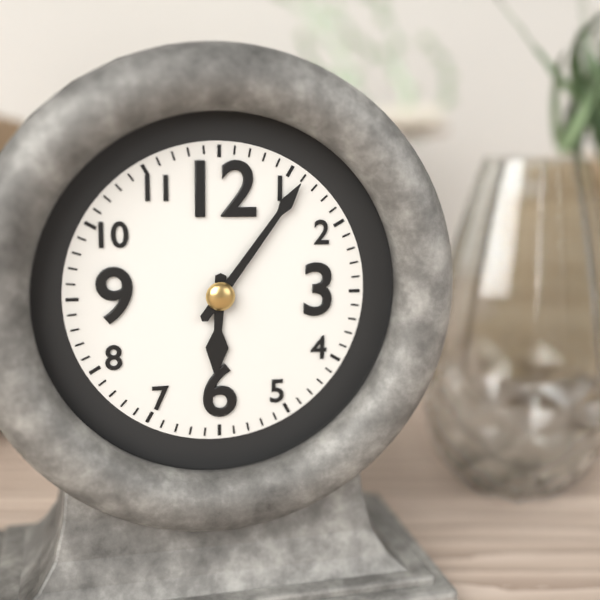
6:06
